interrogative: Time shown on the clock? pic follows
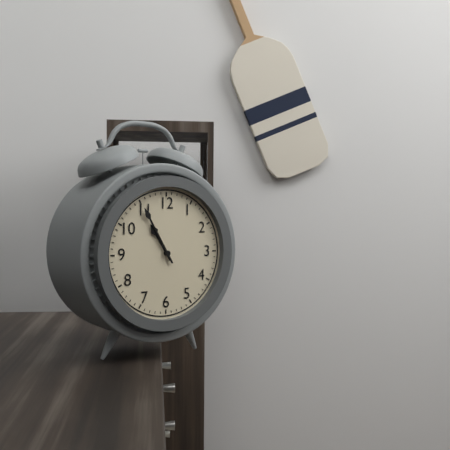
10:55
